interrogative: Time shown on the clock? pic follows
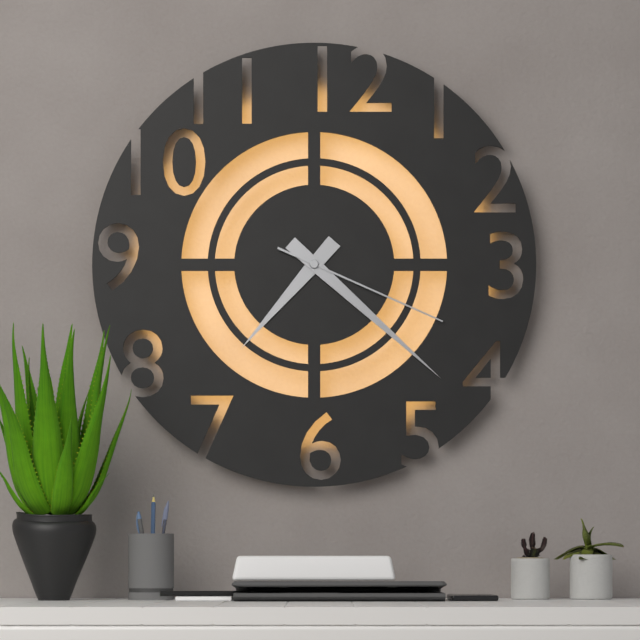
7:22:19
